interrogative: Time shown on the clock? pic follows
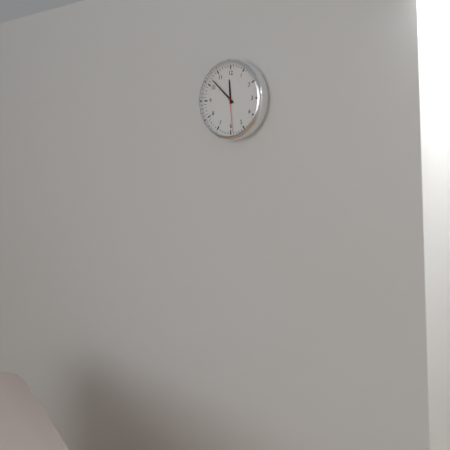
11:52
